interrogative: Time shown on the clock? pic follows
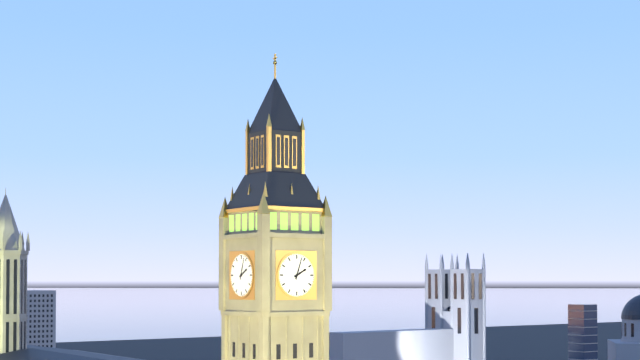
2:03
